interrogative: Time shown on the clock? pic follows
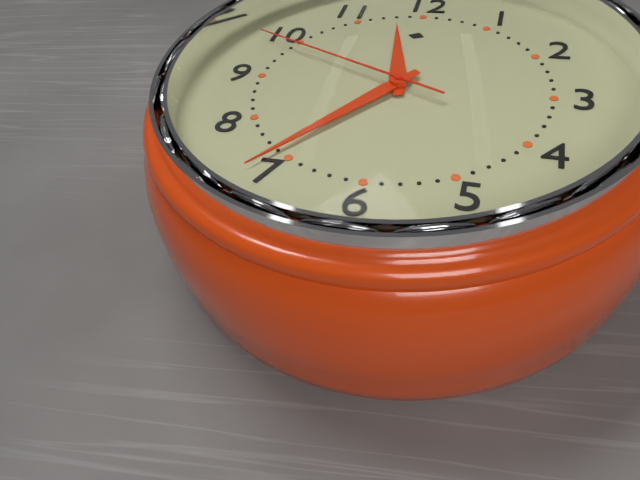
11:36:49
